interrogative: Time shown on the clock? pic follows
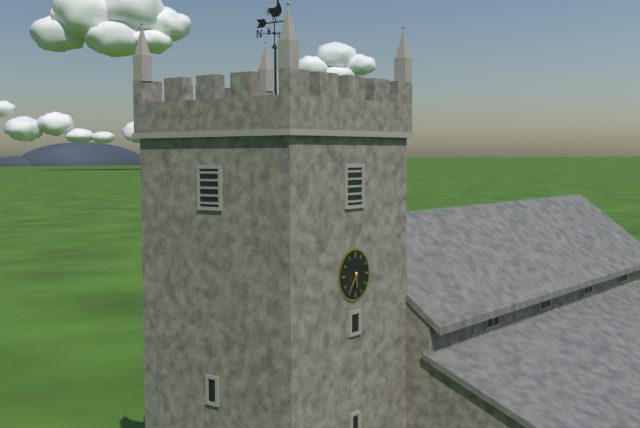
5:36
